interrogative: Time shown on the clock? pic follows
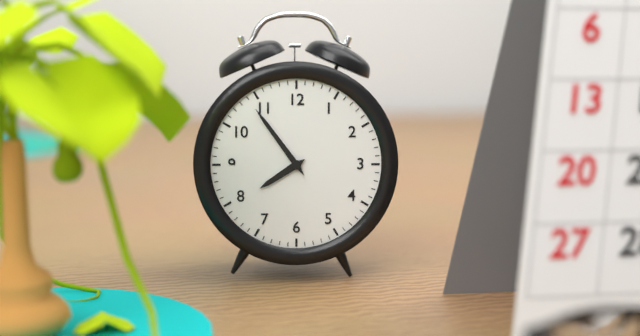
7:54
